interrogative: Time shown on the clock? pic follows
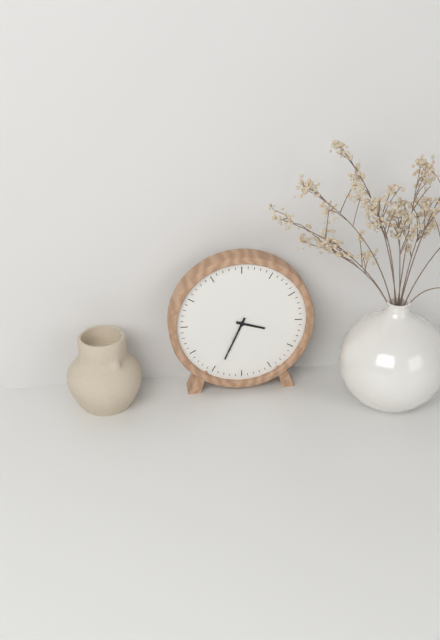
3:34
